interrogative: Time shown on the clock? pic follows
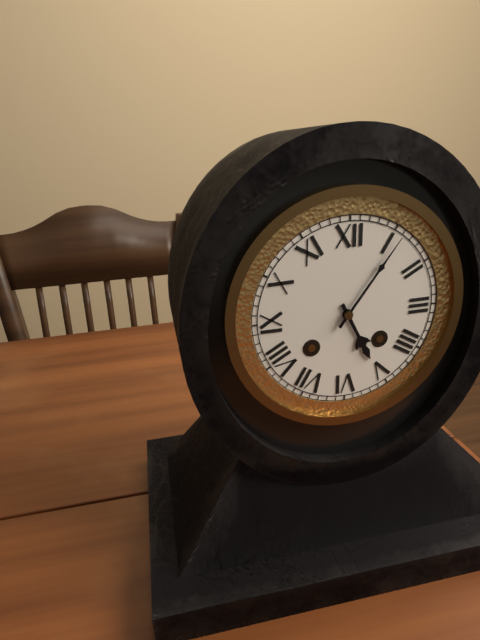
5:06
